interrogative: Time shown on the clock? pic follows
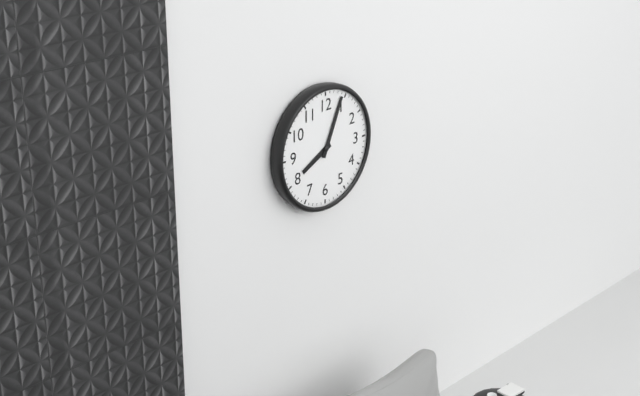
8:04
